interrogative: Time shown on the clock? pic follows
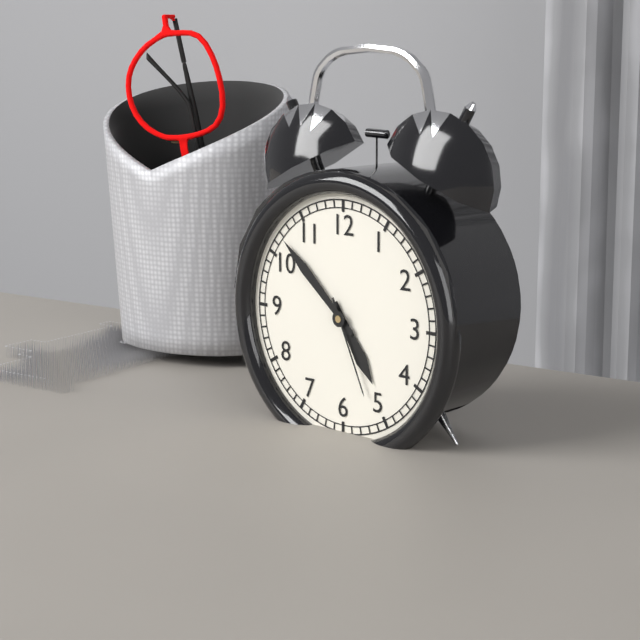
4:52:26
